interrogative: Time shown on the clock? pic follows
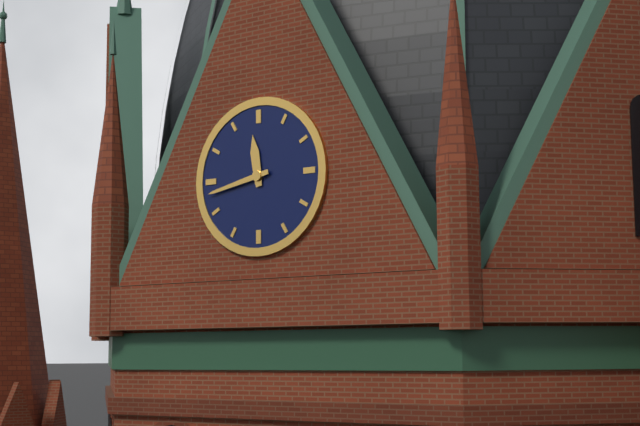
11:43
